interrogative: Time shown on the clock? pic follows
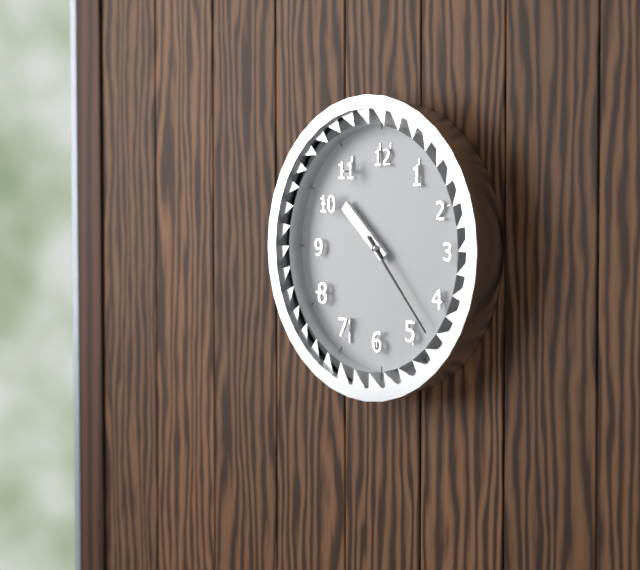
10:23
